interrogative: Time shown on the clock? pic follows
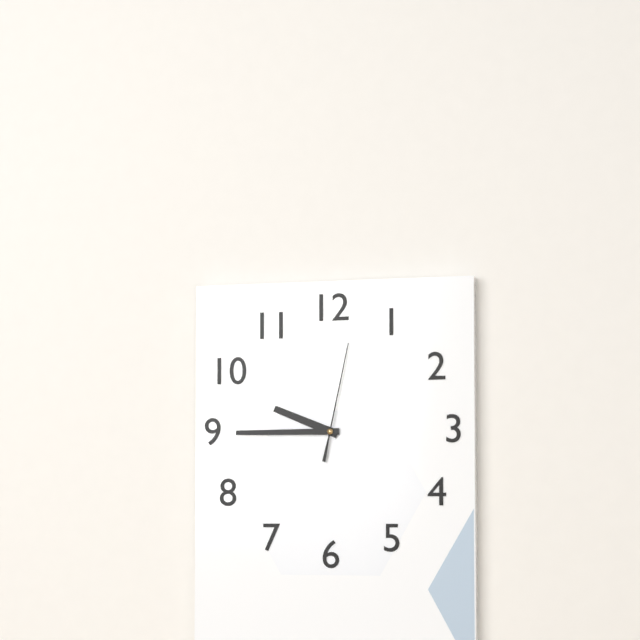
9:45:02
